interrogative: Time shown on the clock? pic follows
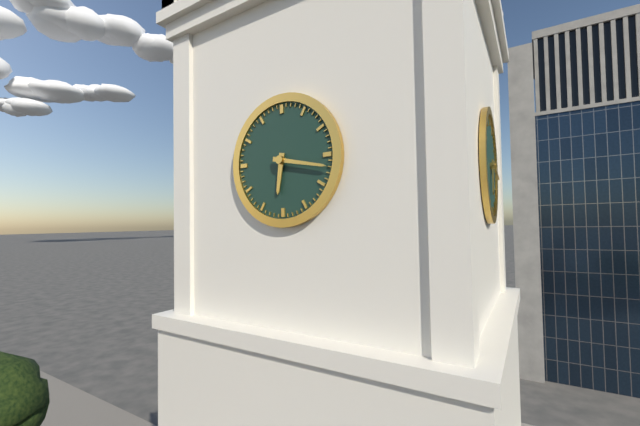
6:17
